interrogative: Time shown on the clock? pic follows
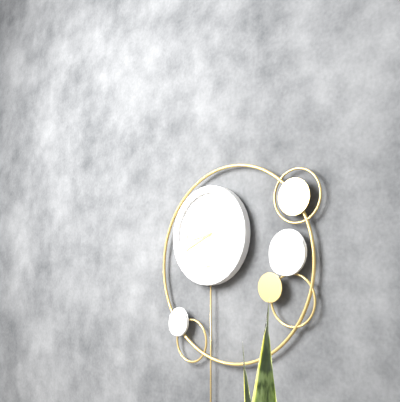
8:41
